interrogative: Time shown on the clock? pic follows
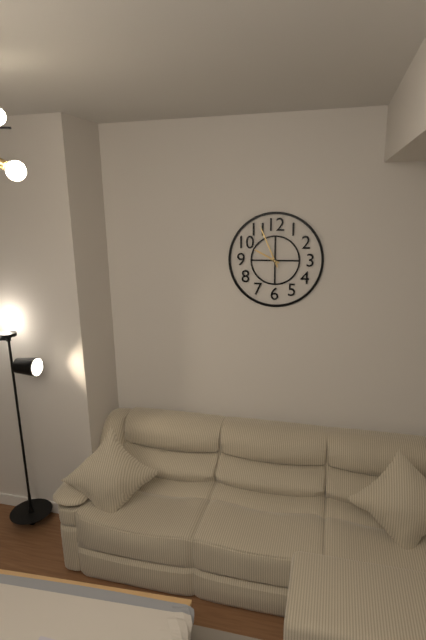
9:56
